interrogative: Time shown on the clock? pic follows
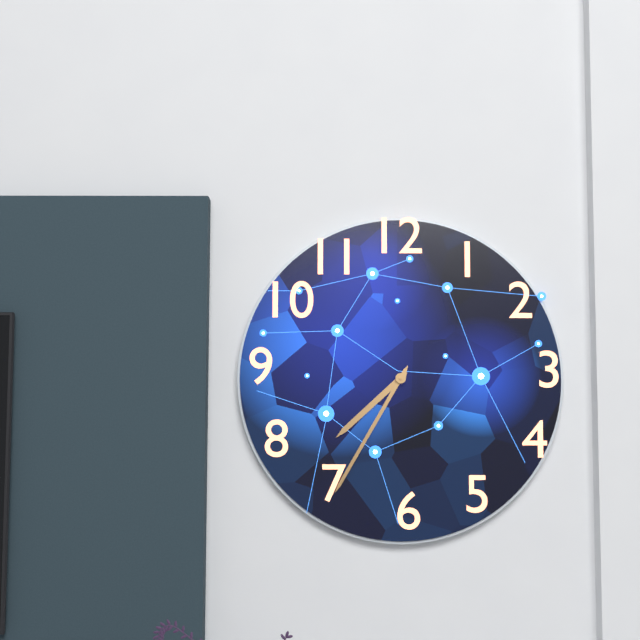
7:35
